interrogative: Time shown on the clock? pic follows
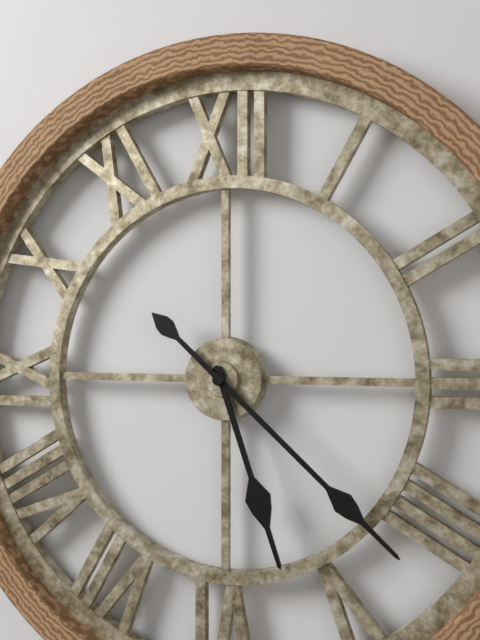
5:22
